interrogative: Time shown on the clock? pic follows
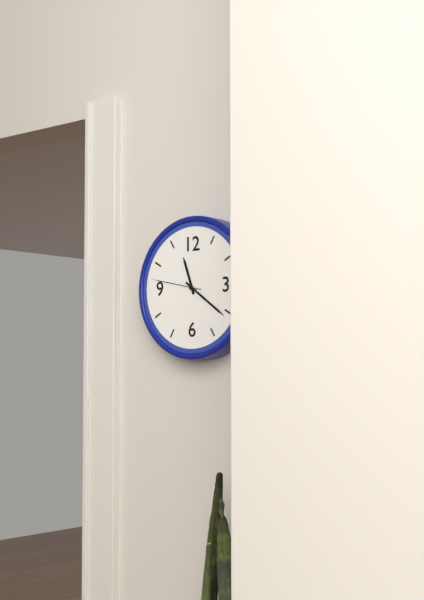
11:21:47
